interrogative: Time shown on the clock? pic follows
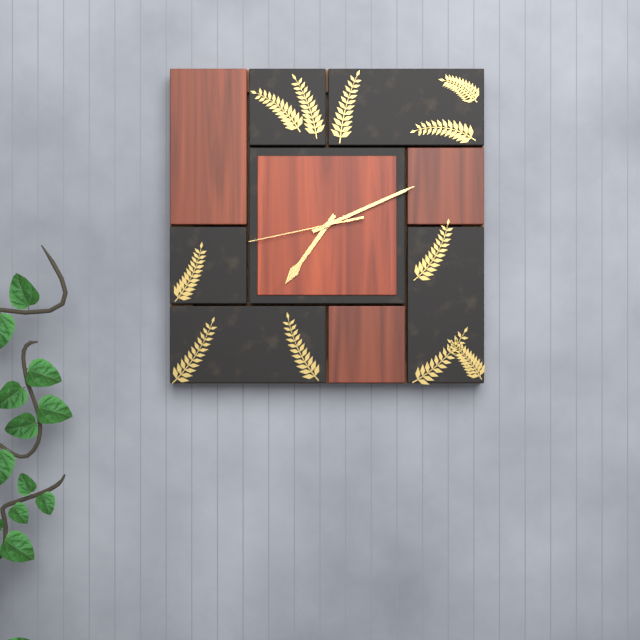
7:11:43
